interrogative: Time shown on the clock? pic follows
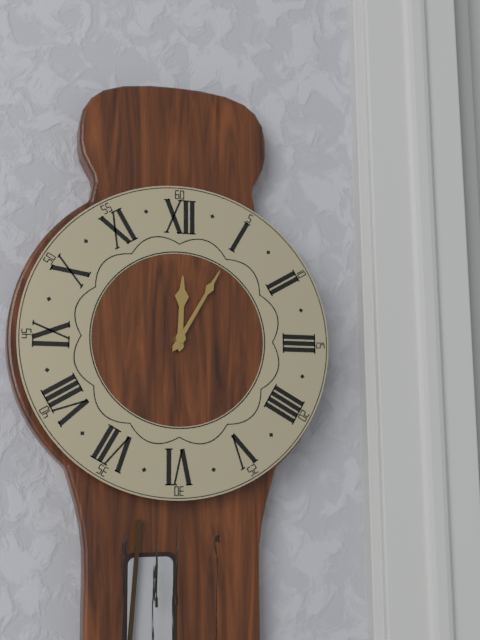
12:05
